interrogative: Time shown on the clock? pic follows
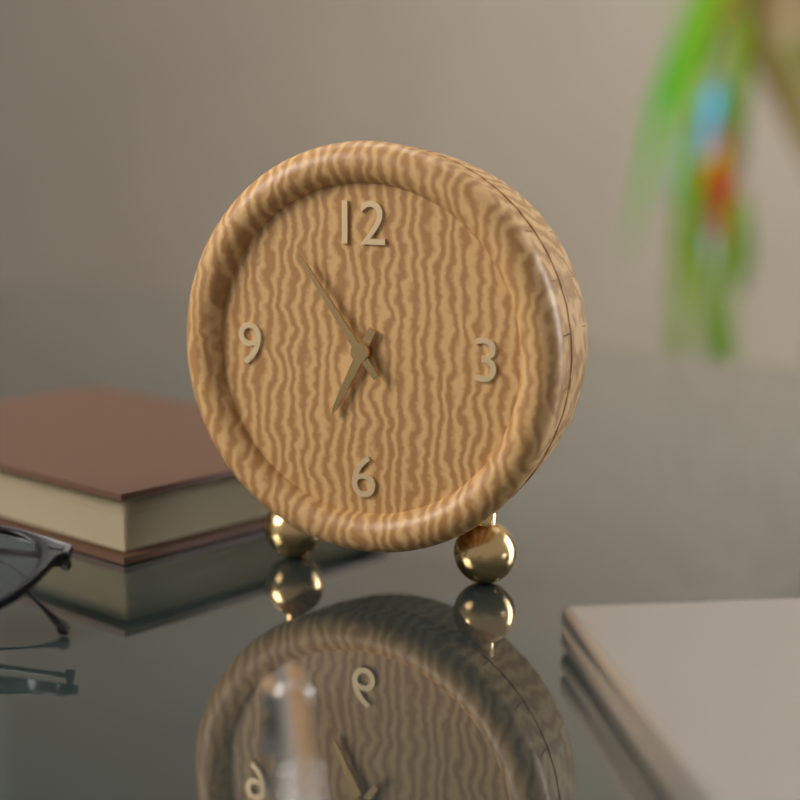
6:54
